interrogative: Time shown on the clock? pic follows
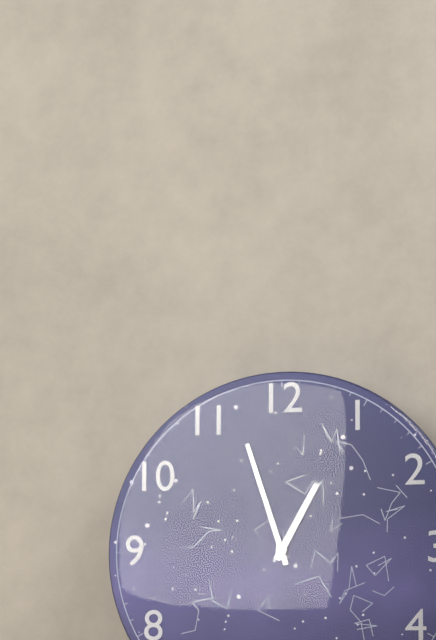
12:57
